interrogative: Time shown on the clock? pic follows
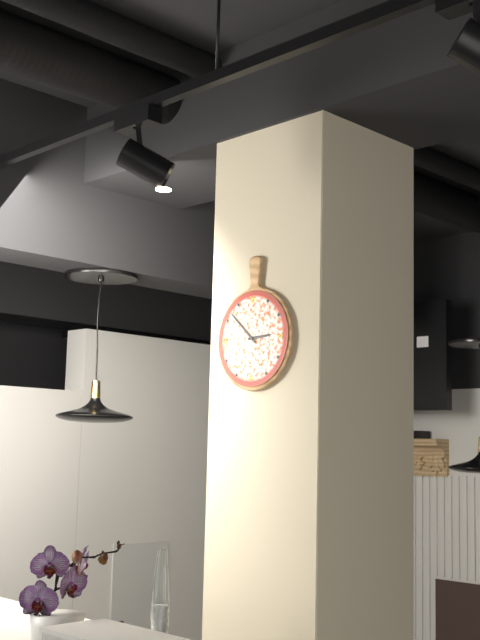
2:52
